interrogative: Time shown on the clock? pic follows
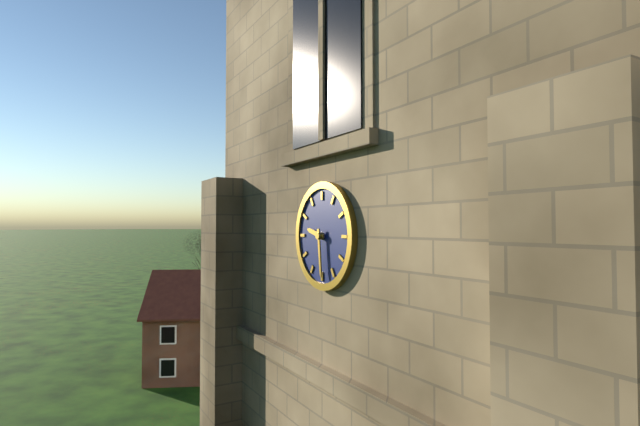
9:29
